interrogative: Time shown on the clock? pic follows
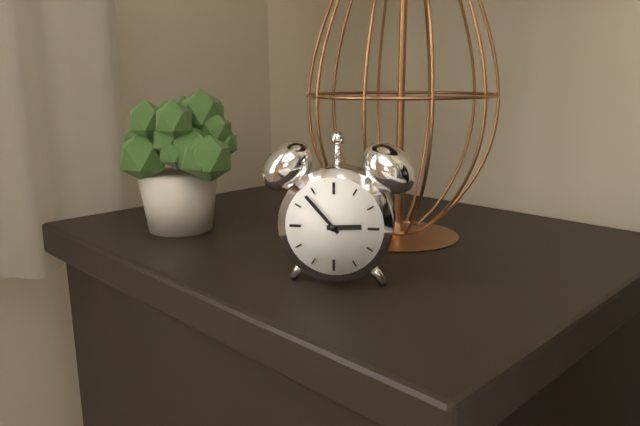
2:53
